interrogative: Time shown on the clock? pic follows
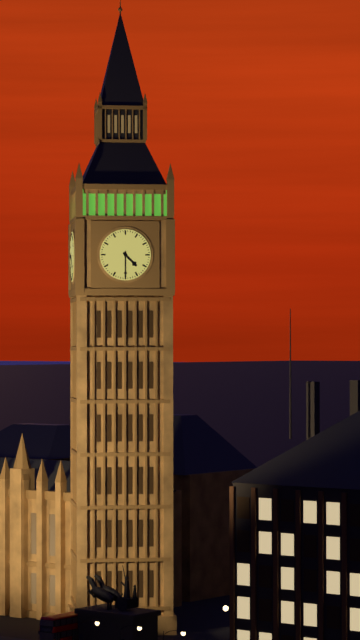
4:30
